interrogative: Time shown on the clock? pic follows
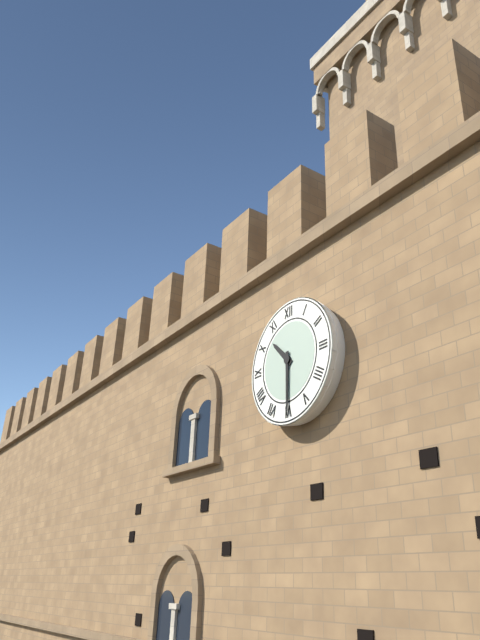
10:30
